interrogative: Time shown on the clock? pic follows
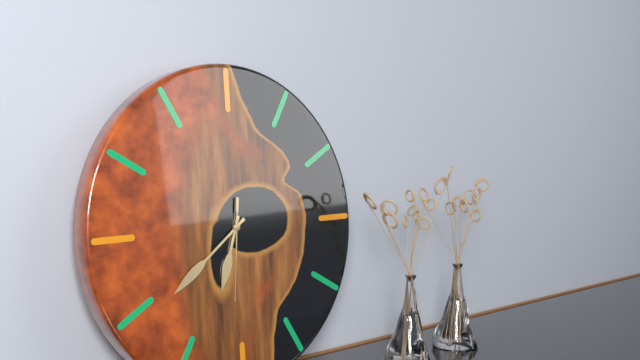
6:39:31
